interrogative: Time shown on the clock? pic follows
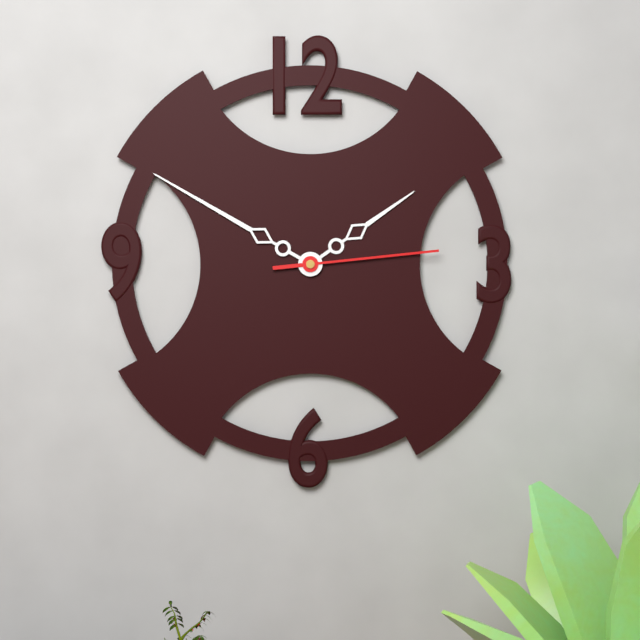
1:50:14
